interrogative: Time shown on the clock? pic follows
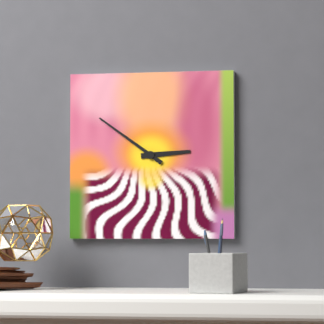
2:51
